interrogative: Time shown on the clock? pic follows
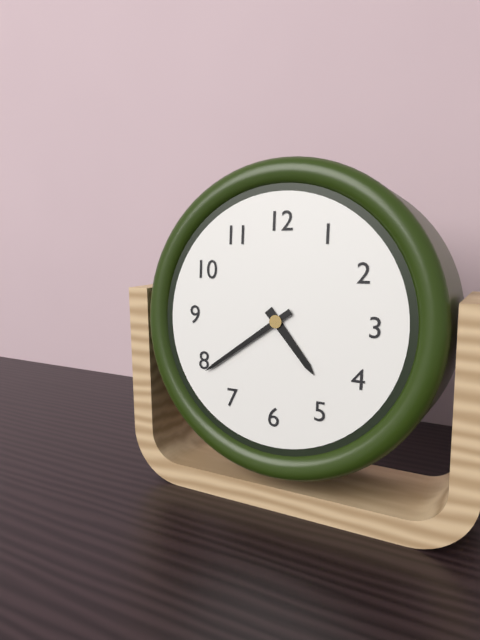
4:39
